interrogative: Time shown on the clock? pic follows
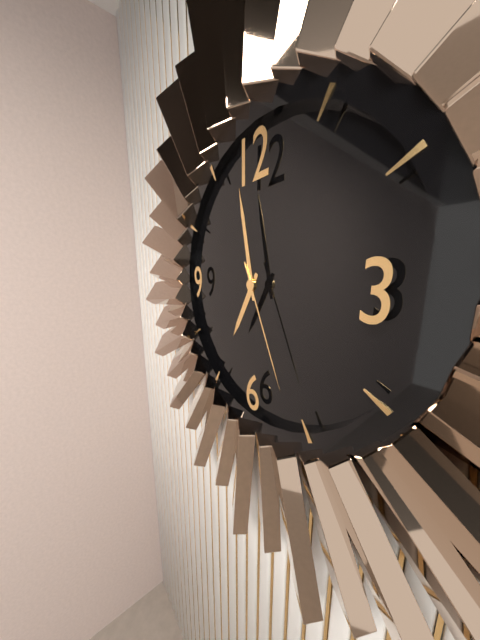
6:58:26
